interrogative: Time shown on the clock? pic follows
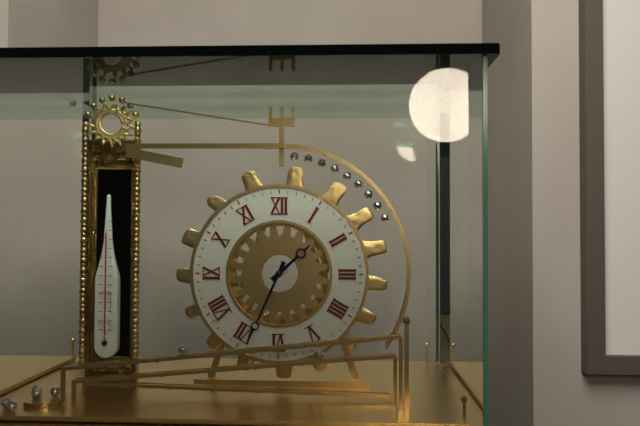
1:34
